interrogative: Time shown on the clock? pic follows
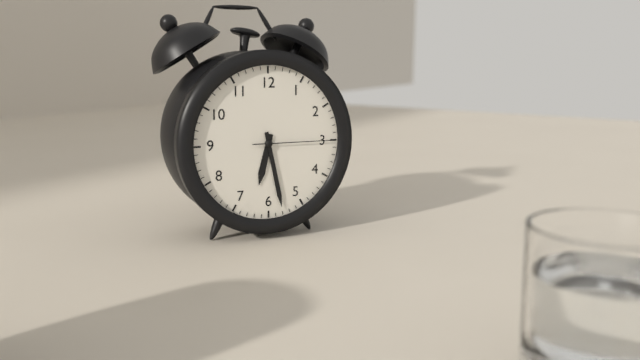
6:28:15
